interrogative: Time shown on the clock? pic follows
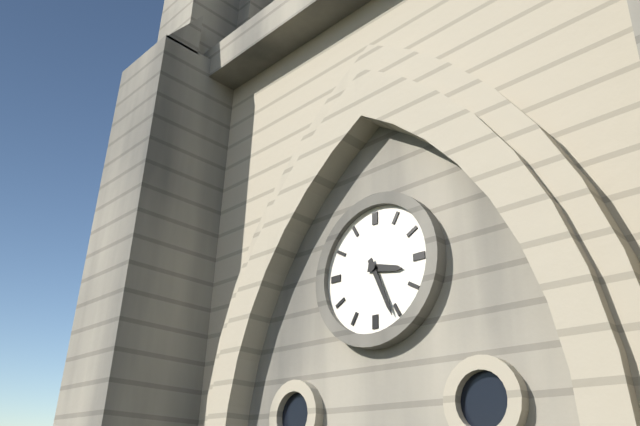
3:26
